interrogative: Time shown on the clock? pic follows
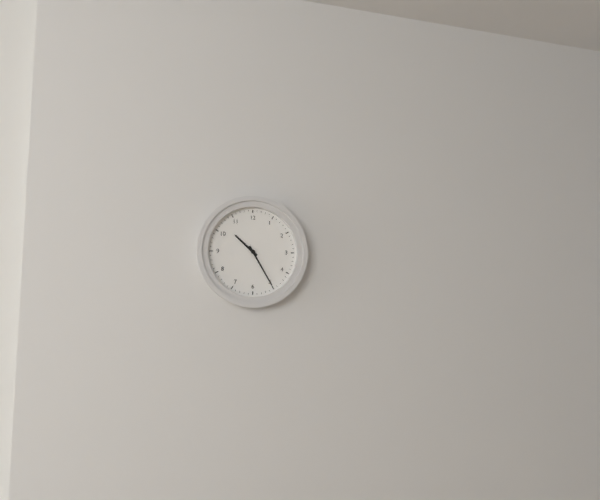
10:25
